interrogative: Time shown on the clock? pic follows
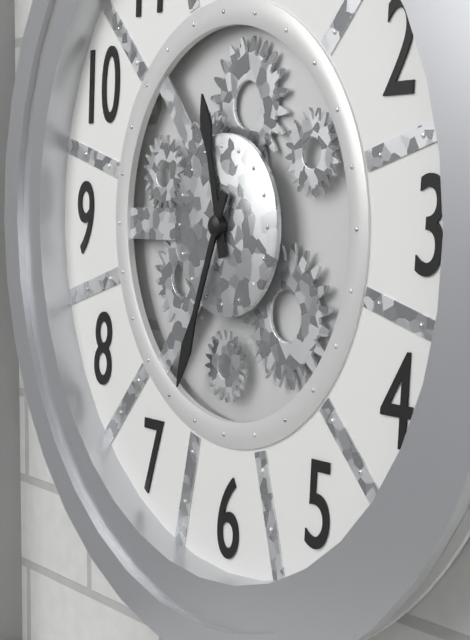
11:34
